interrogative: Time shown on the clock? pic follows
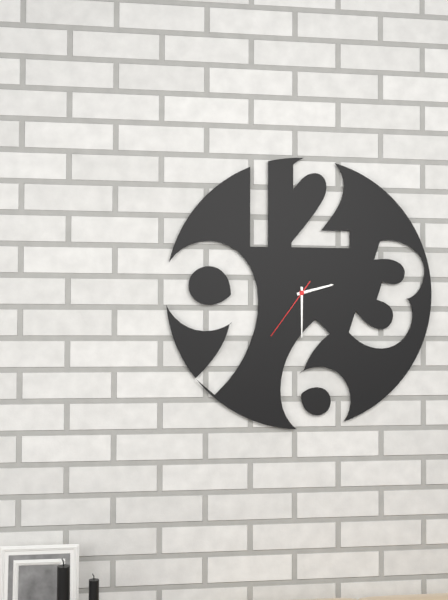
2:30:36
